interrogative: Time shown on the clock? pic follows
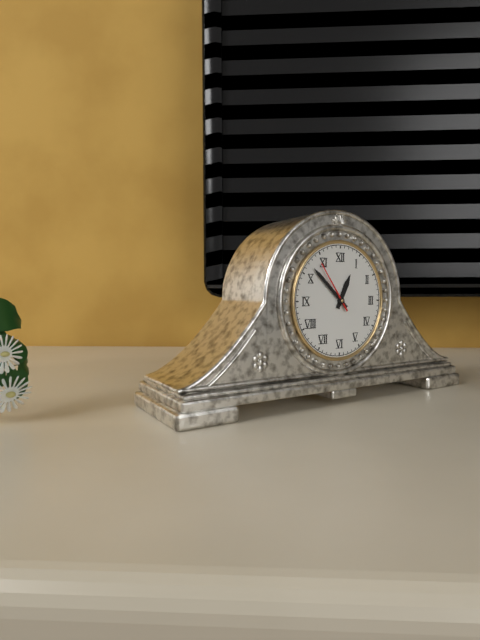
12:52
